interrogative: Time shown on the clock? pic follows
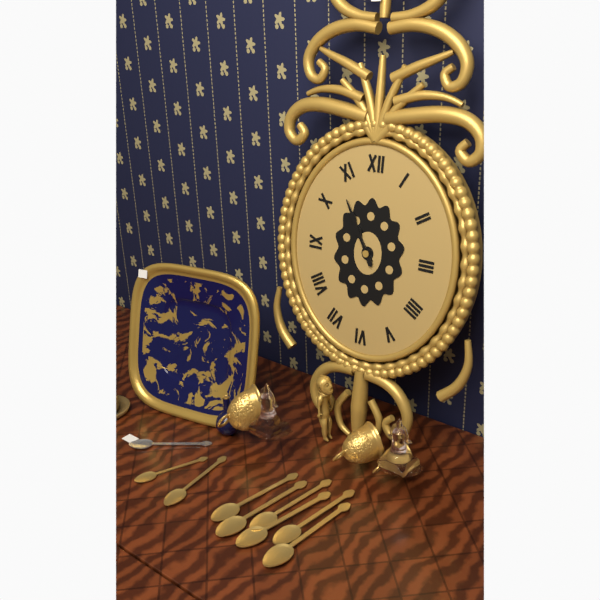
10:55
